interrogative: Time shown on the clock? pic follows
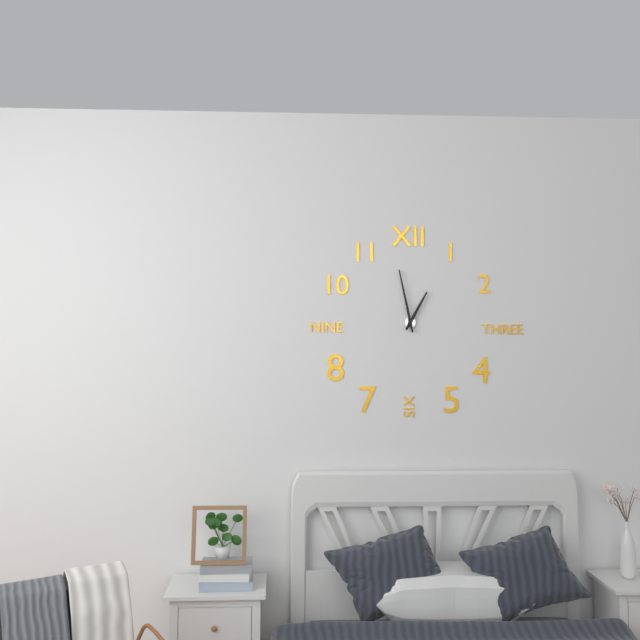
12:58
